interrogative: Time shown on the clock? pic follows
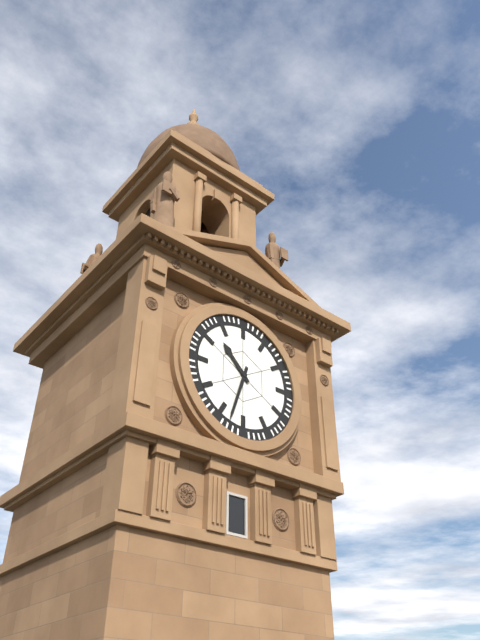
10:33
